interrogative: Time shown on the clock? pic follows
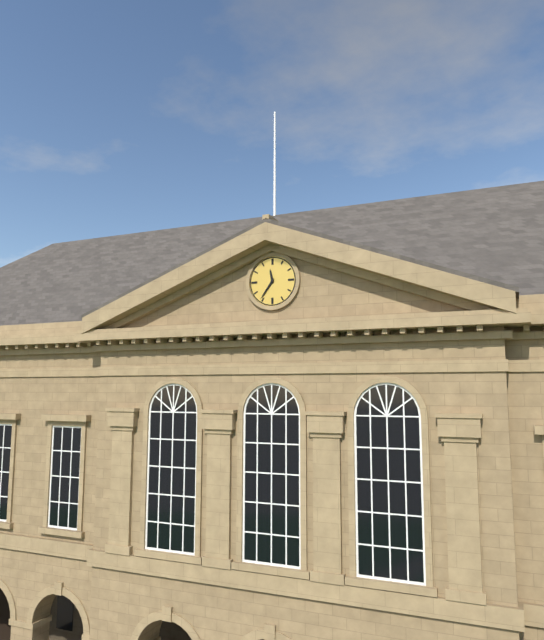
11:36
